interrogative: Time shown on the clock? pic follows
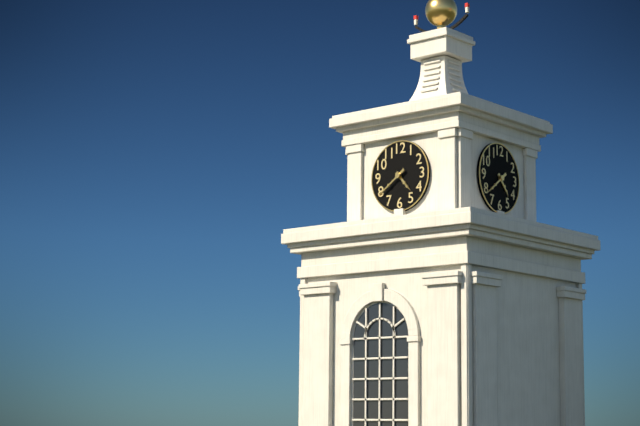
4:39
